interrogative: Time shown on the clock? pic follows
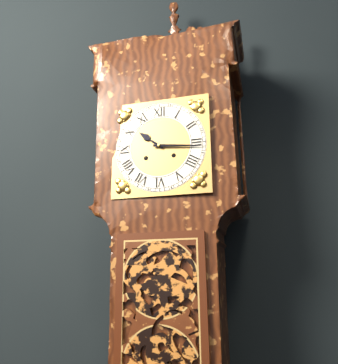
10:16
